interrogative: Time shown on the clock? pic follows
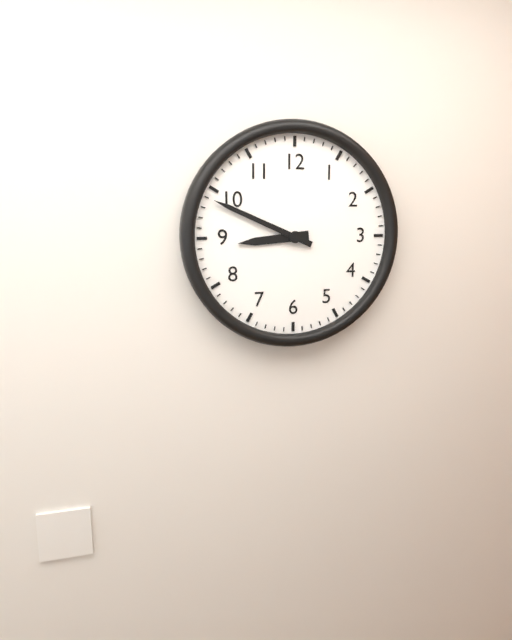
8:49
